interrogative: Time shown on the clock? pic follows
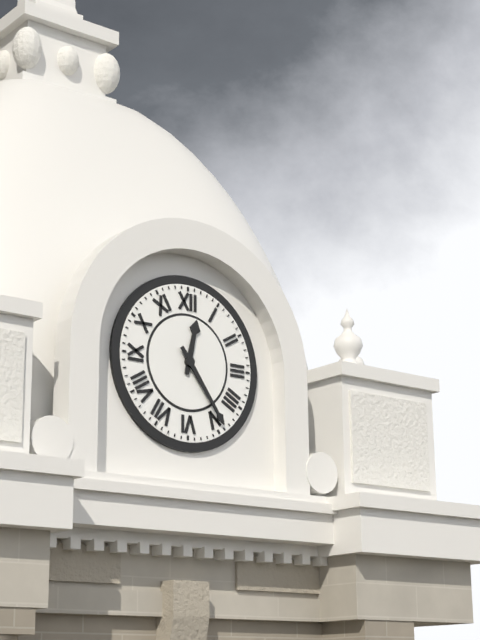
12:24
